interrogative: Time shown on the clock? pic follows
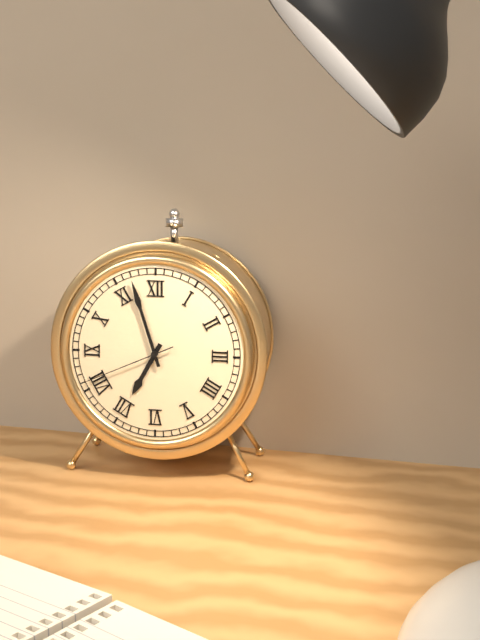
6:57:41
